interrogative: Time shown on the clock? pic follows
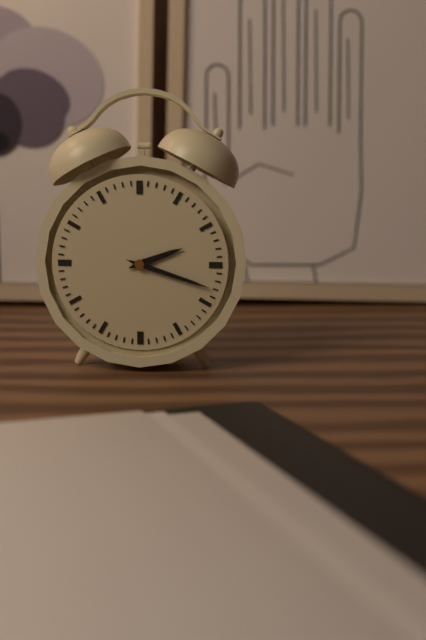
2:18
